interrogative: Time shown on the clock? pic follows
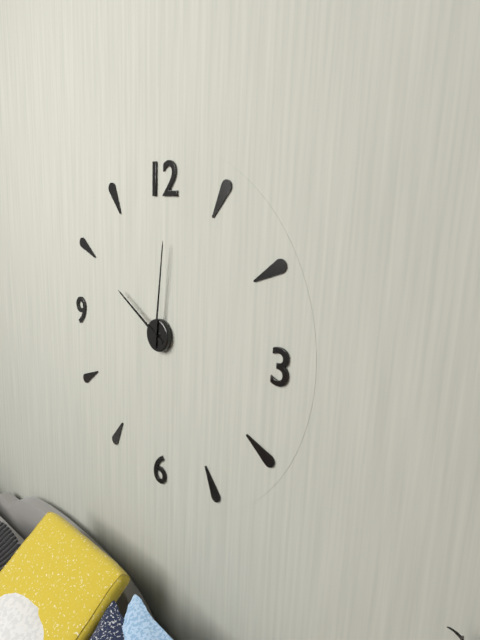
10:01
